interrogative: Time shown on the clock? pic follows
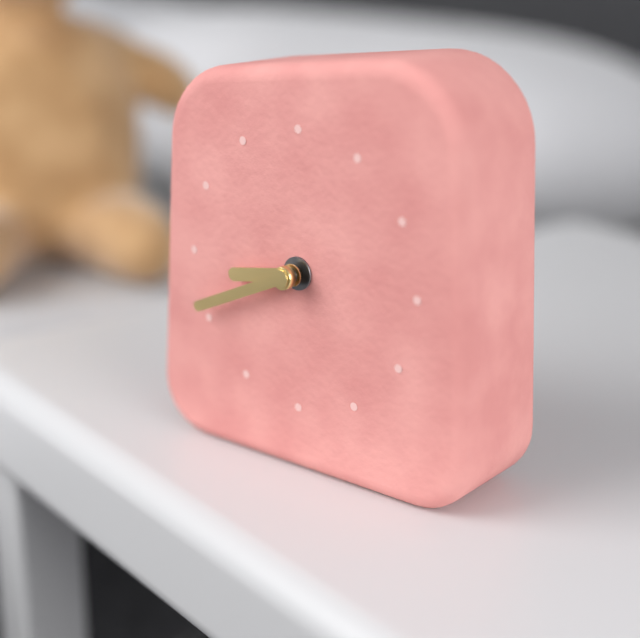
8:41
